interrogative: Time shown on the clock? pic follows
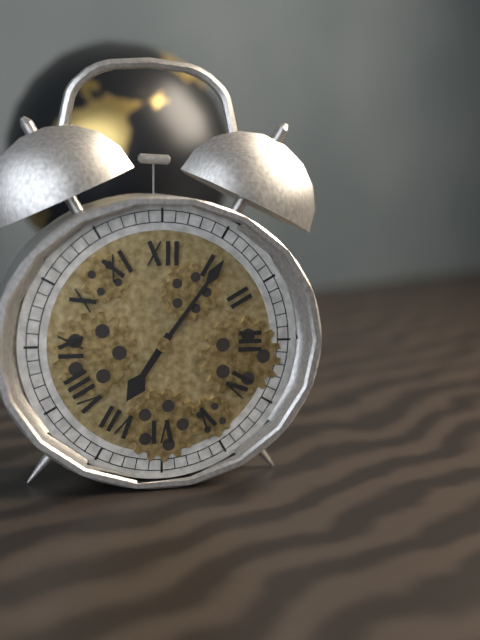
7:06
